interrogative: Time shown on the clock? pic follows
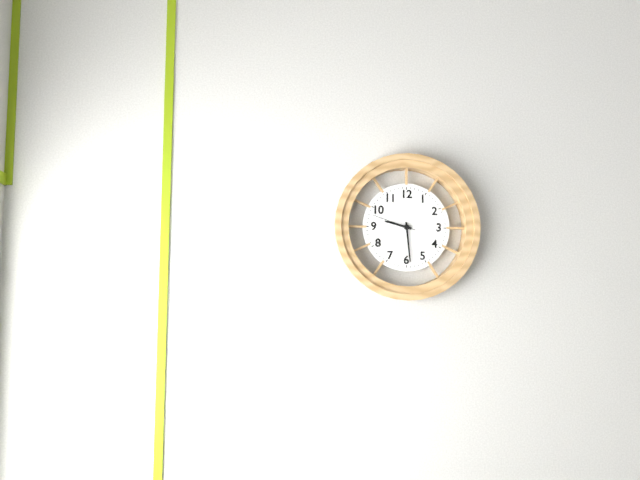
9:29
